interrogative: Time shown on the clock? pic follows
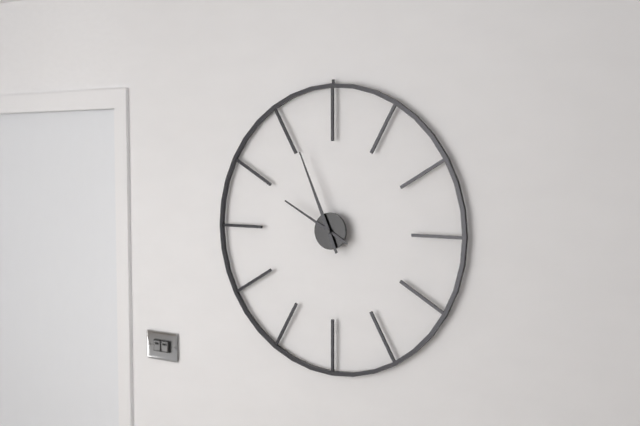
9:56
